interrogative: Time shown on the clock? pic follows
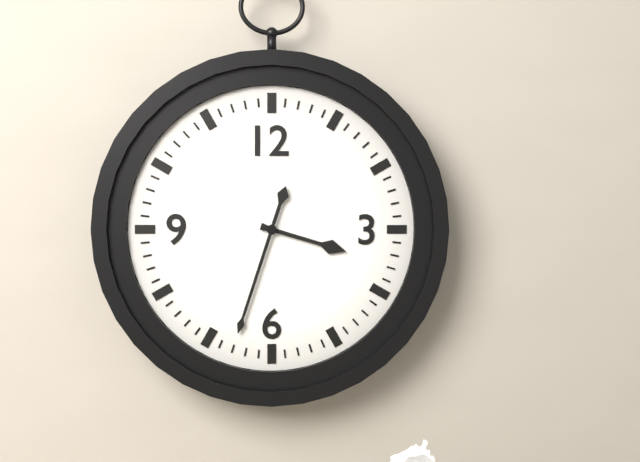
3:33
